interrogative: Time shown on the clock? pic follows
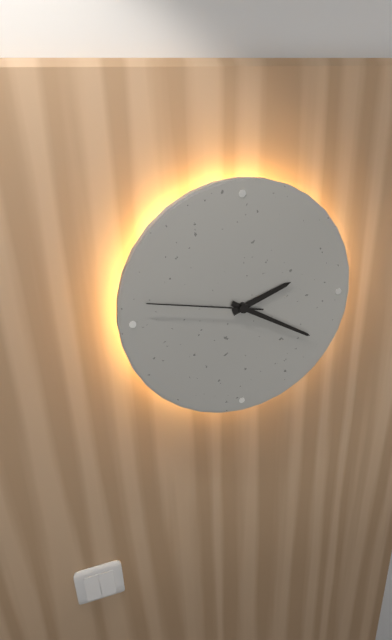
2:20:47
